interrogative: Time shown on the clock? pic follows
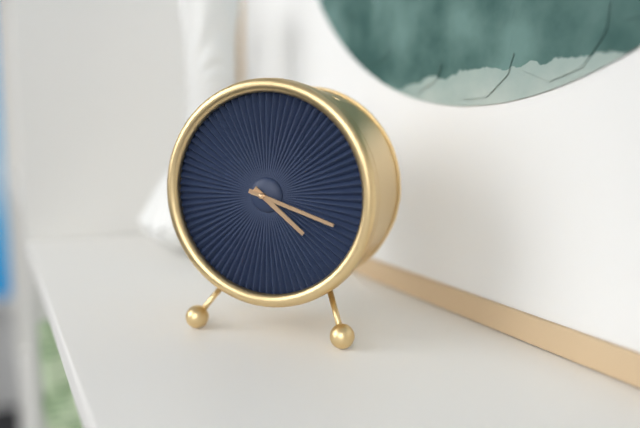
4:18
